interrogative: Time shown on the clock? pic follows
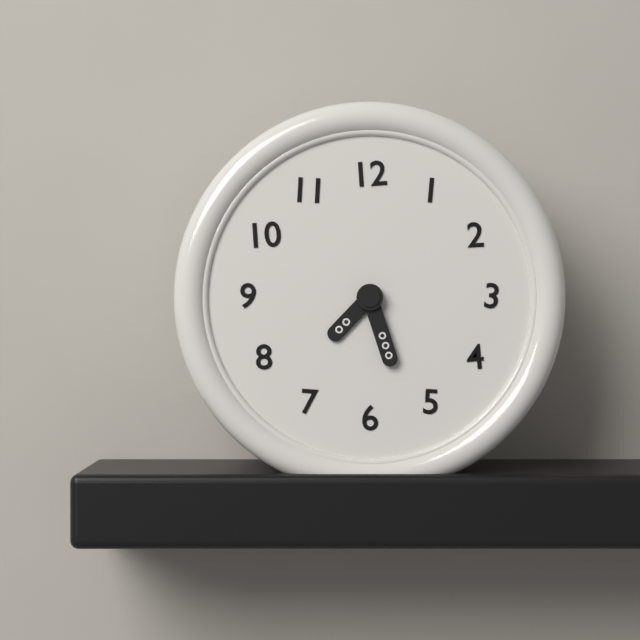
7:27
